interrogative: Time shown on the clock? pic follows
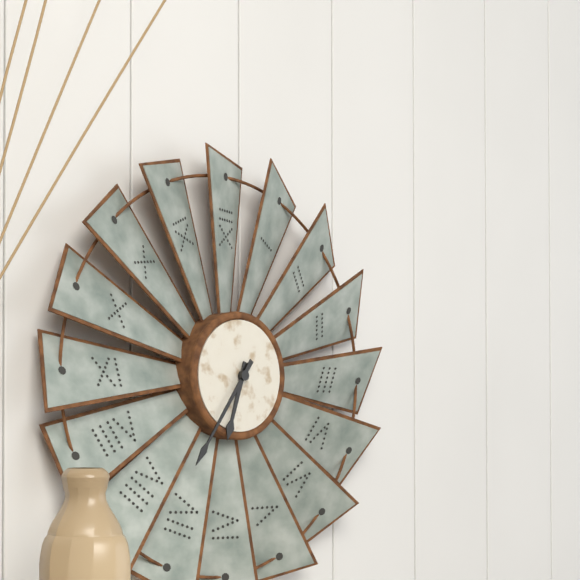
6:36
